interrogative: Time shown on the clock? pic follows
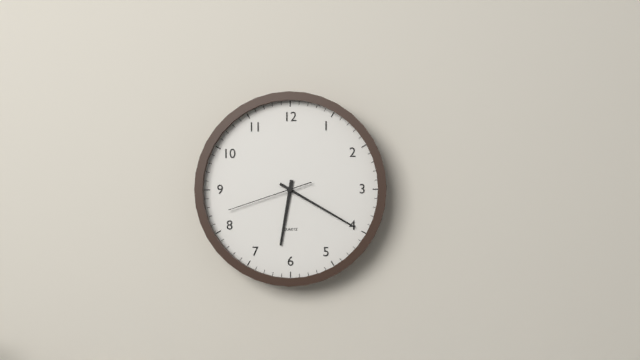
6:20:42
